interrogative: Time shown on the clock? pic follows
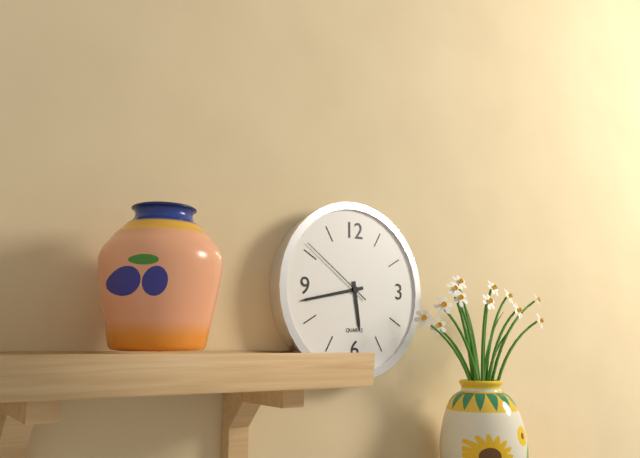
5:43:51
